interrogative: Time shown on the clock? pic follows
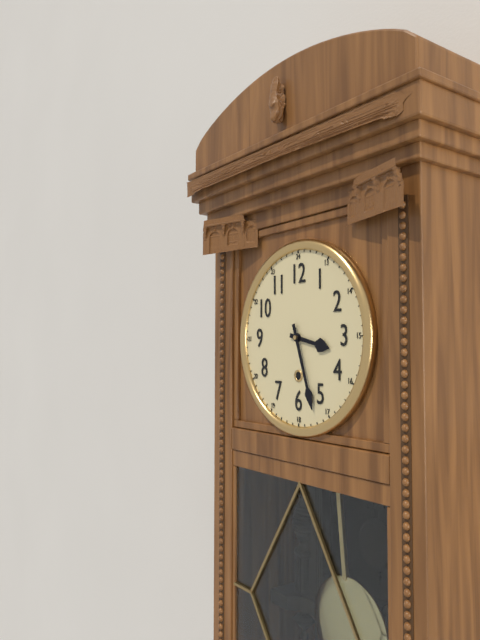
3:27
